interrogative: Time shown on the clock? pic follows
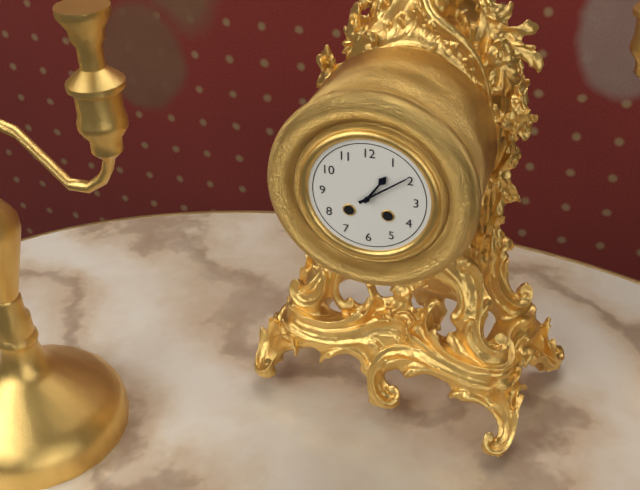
1:09
